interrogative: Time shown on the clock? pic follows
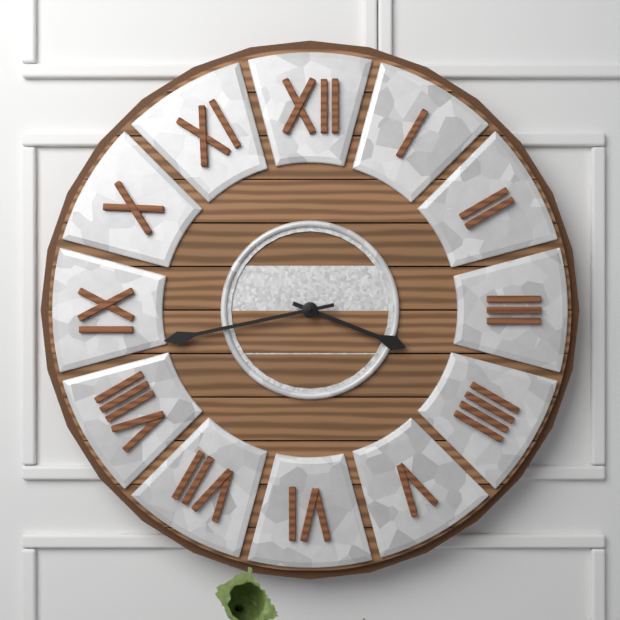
3:43
